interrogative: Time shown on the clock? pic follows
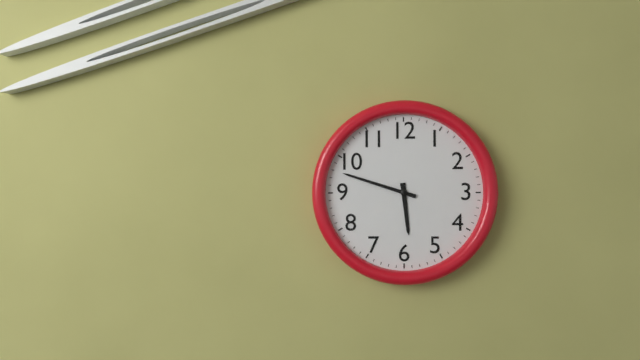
5:48
